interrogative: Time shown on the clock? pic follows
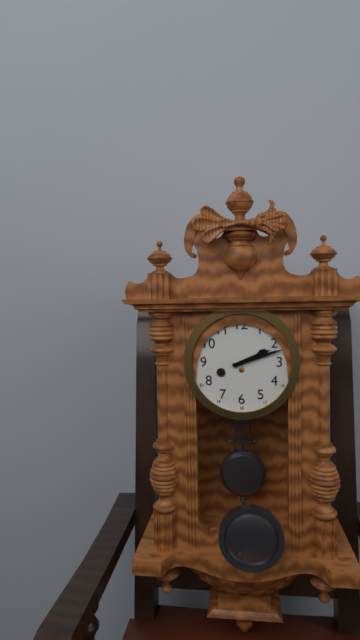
2:12
